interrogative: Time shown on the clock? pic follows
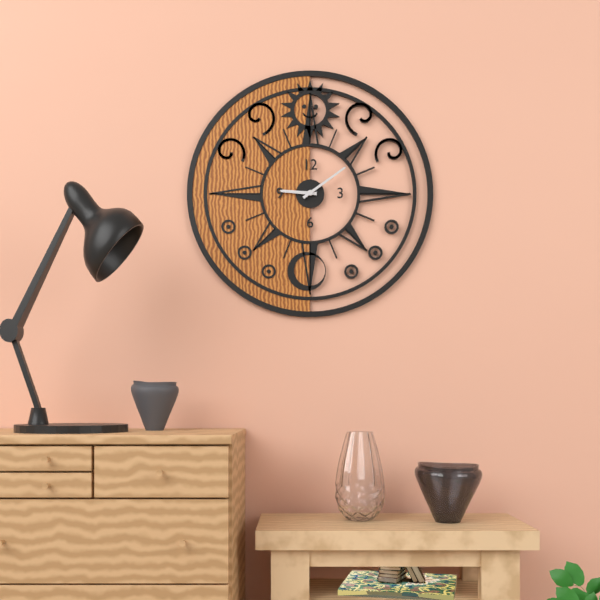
9:09
